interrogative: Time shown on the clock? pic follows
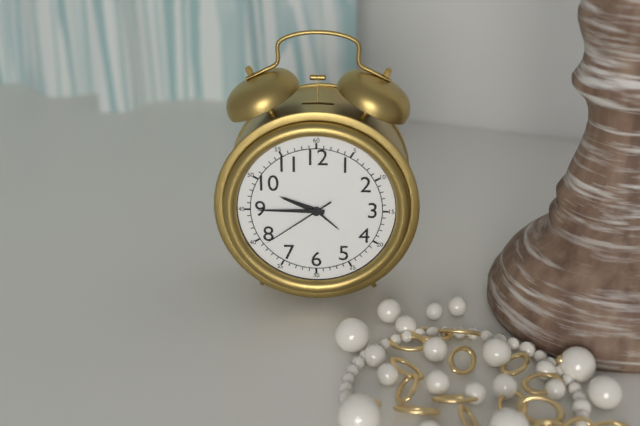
9:45:39
